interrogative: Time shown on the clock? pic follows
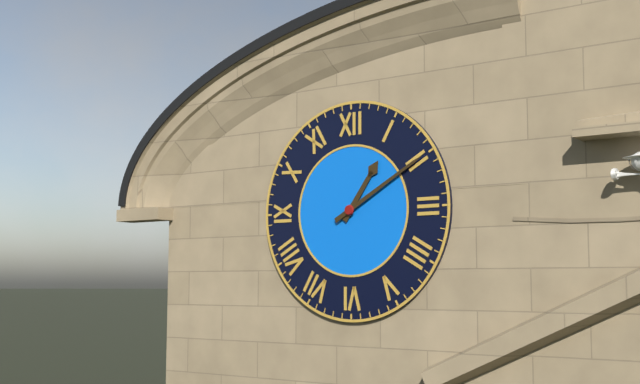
1:10
